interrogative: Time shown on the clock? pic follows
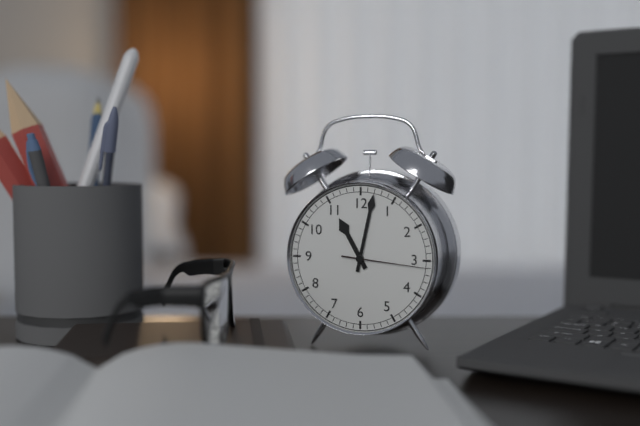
11:02:16
